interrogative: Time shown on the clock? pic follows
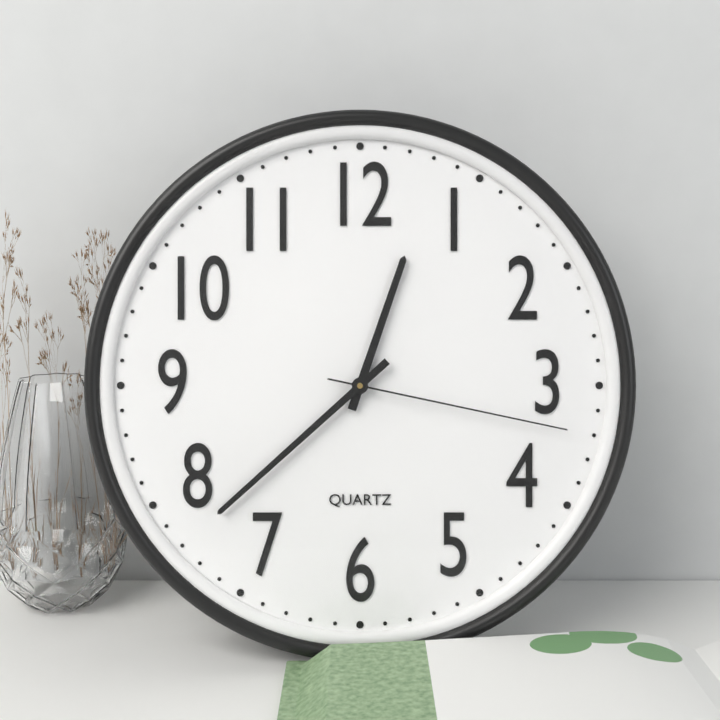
12:38:17
